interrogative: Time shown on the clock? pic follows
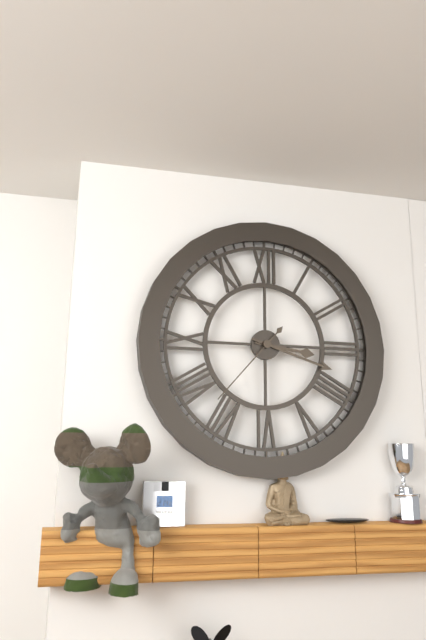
3:18:37
